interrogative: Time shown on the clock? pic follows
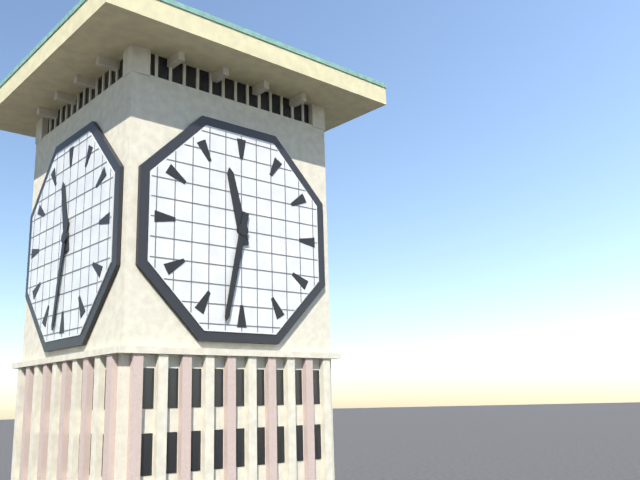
11:32
